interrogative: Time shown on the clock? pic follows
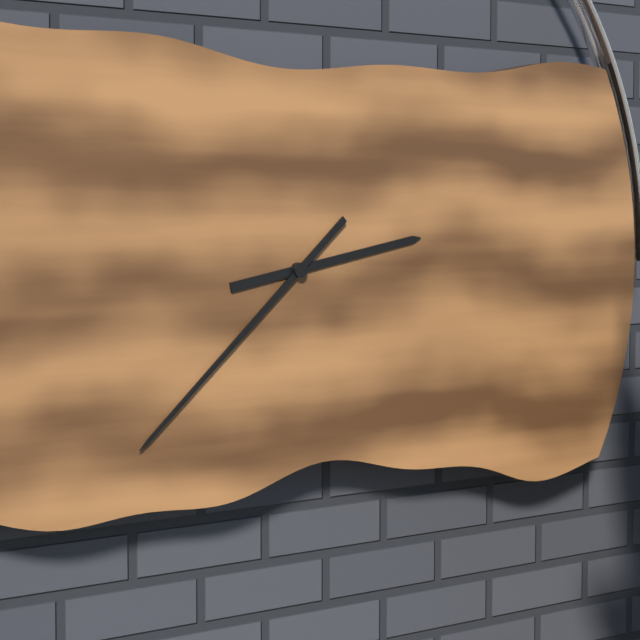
2:38
